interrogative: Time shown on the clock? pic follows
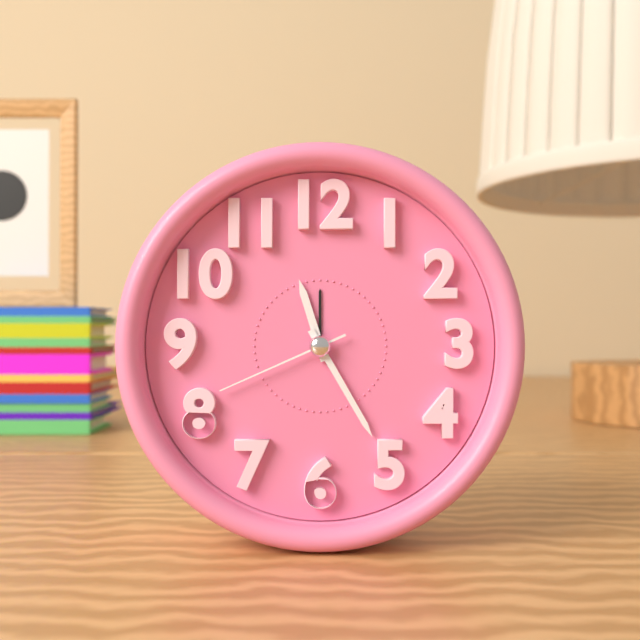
11:25:41
